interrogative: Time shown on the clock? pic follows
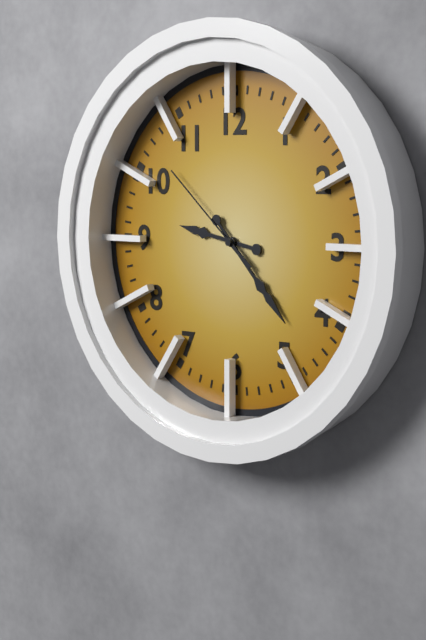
9:23:52
